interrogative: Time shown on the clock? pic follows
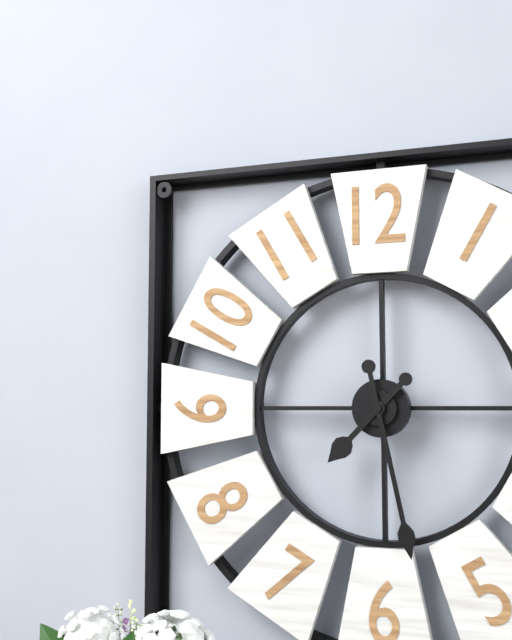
7:28
